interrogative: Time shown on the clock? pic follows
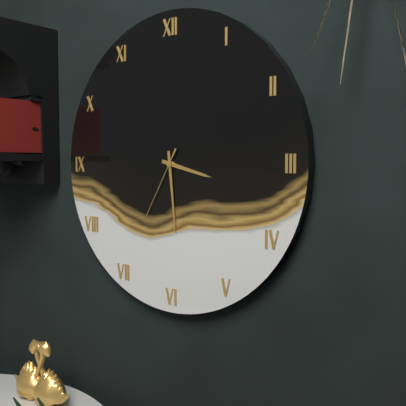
3:29:35
